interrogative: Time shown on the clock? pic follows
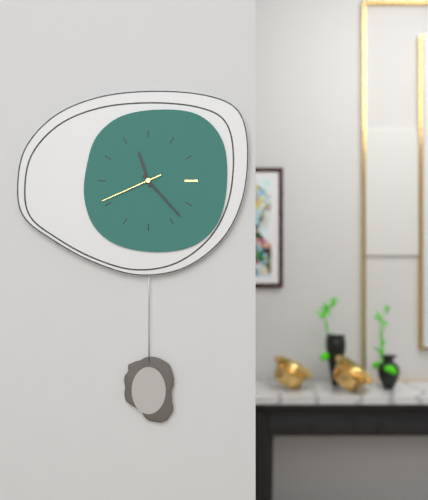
11:23:41
